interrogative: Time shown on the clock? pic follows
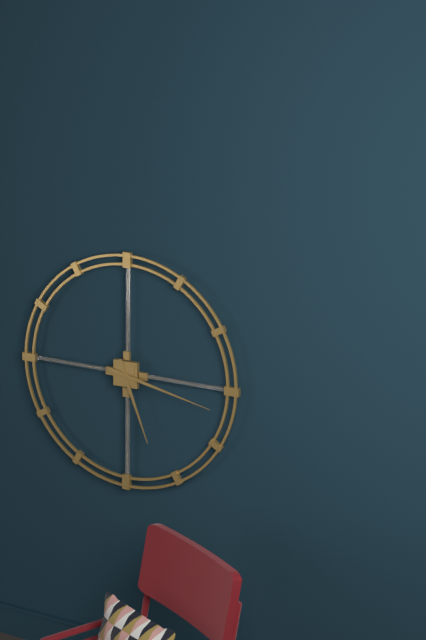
5:17
